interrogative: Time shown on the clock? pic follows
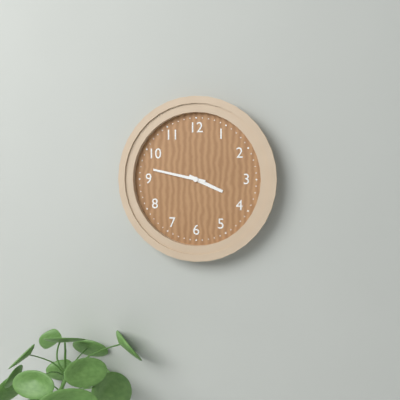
3:47
